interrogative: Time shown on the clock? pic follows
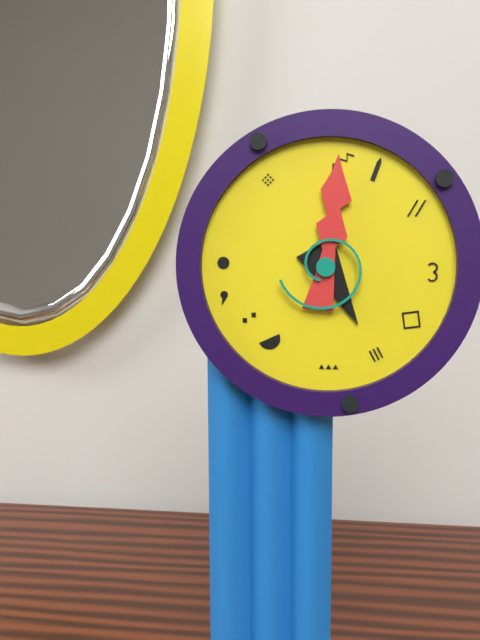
5:01
